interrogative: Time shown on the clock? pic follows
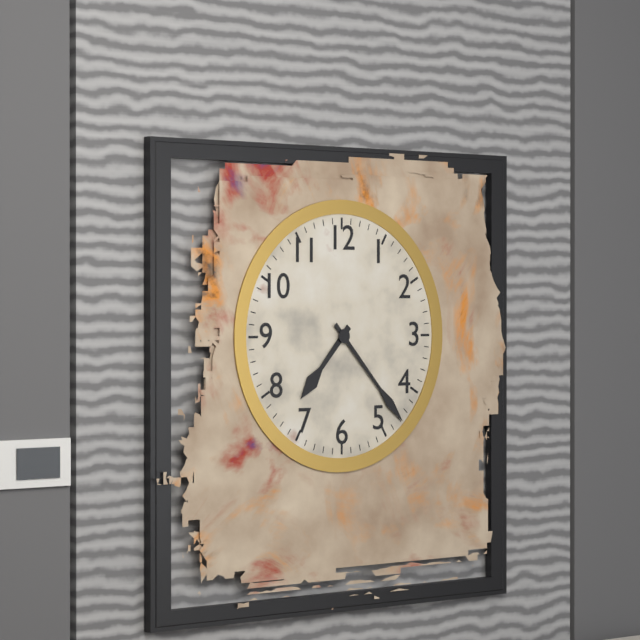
7:23
